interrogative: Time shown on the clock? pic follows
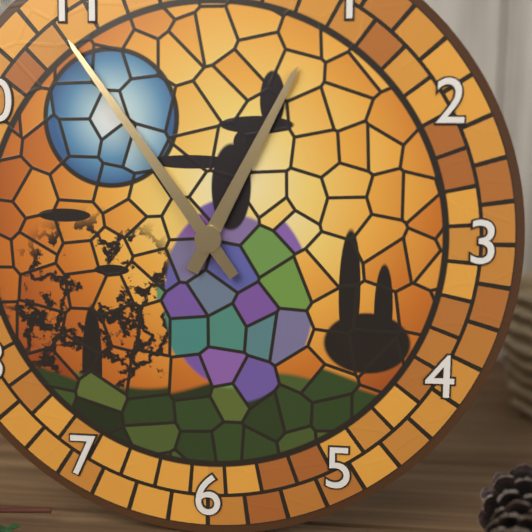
12:54
